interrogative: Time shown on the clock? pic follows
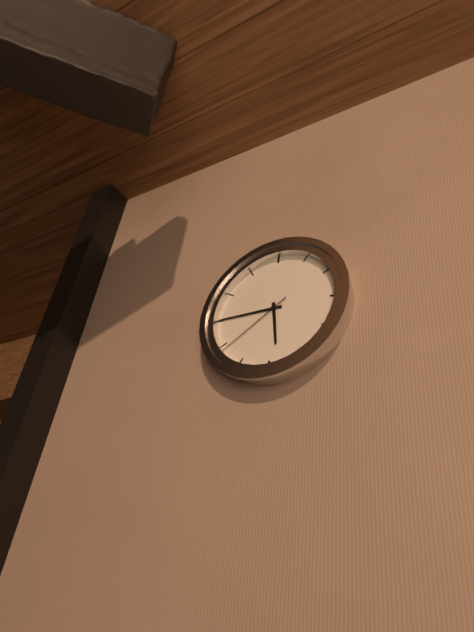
5:45:39
